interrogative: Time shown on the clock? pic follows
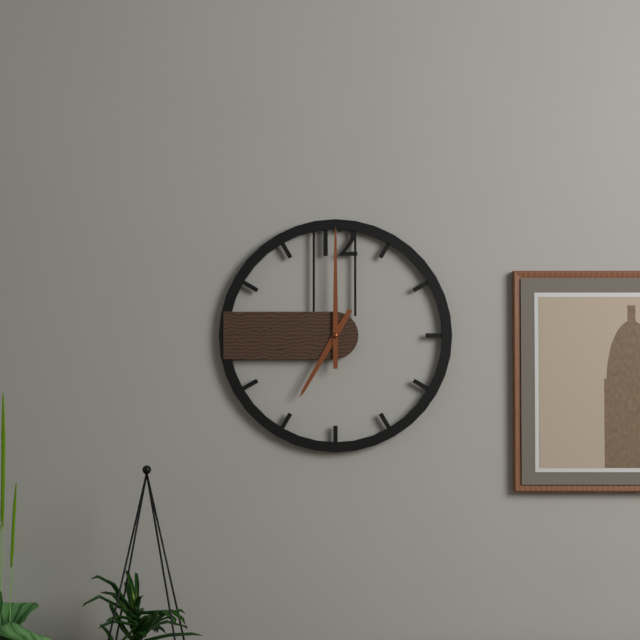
7:00
